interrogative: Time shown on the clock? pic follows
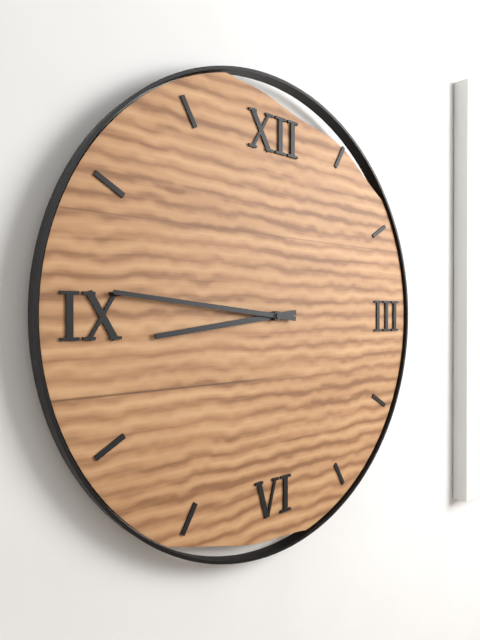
8:46
